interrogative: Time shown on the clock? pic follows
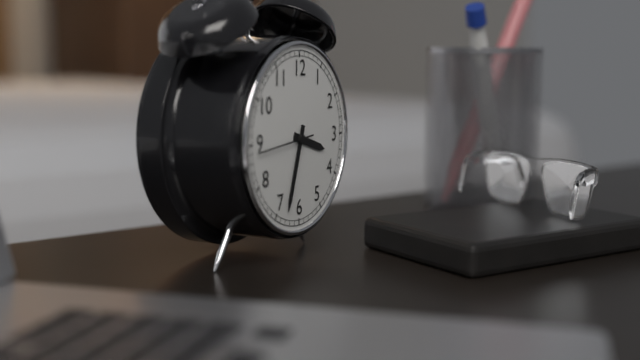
3:33
